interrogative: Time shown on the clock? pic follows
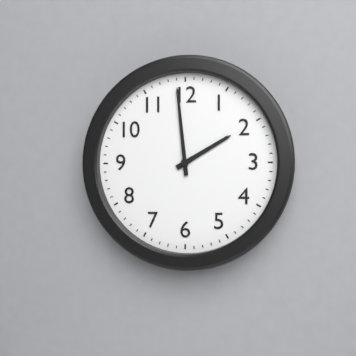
1:59
